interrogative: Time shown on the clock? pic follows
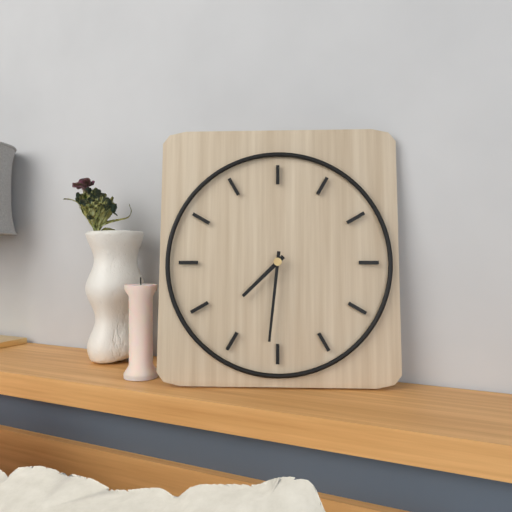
7:31
